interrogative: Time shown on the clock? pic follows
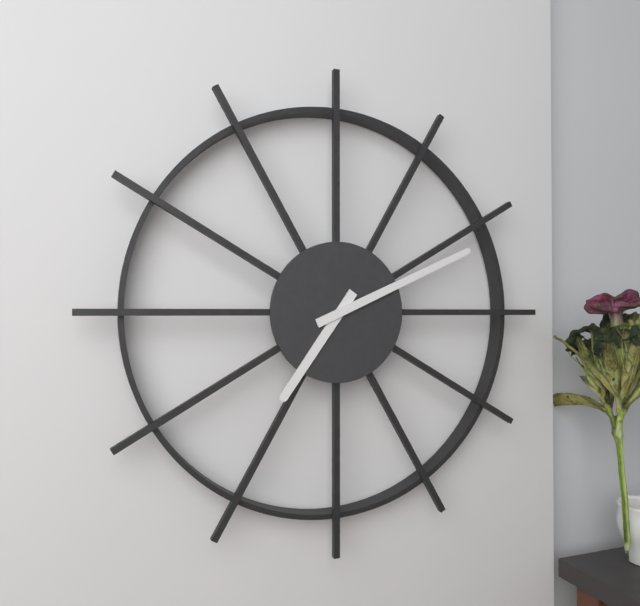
7:11
